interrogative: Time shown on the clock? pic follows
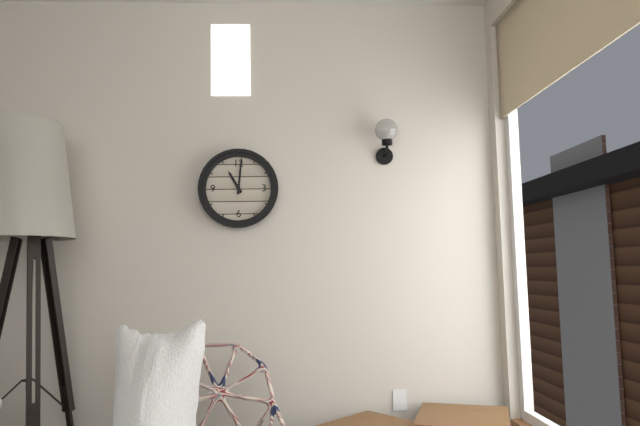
11:01
